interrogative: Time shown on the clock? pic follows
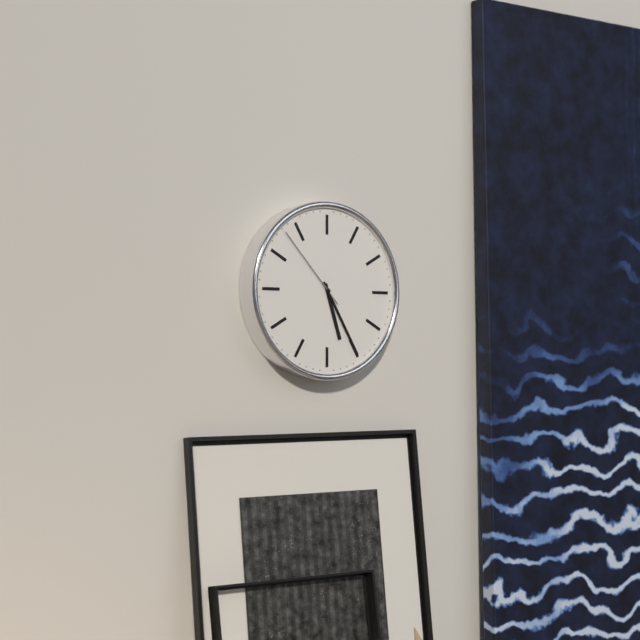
5:25:53
